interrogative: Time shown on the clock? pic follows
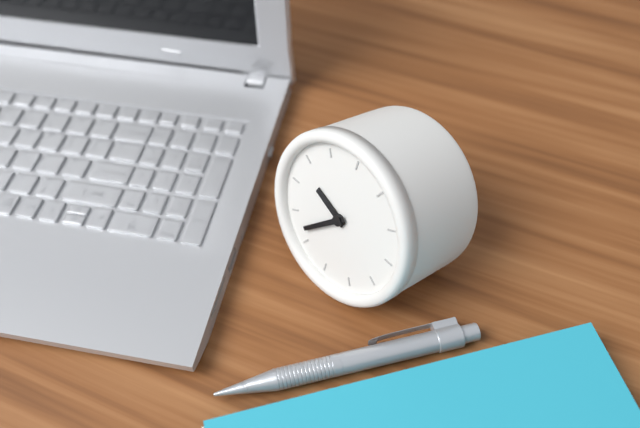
9:37
